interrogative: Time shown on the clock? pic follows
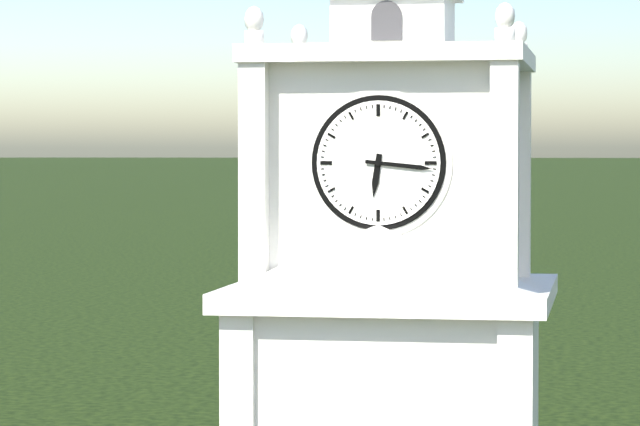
6:16
